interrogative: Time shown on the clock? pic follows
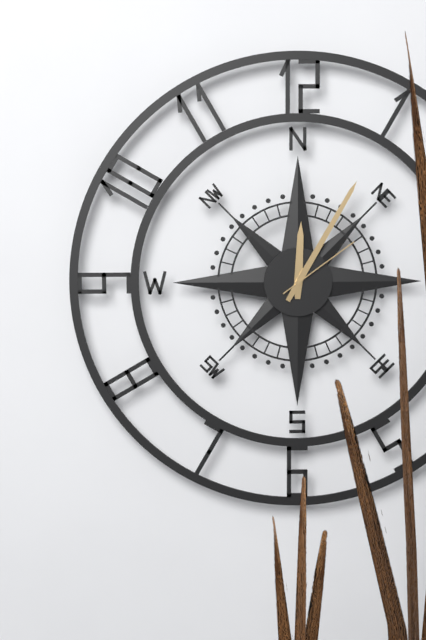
12:05:09
